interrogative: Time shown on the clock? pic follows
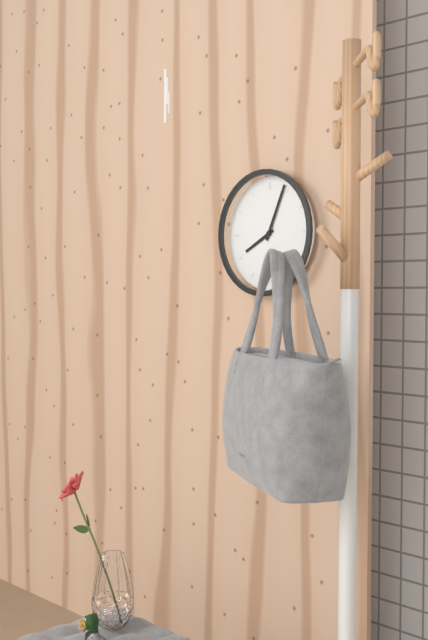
8:04
